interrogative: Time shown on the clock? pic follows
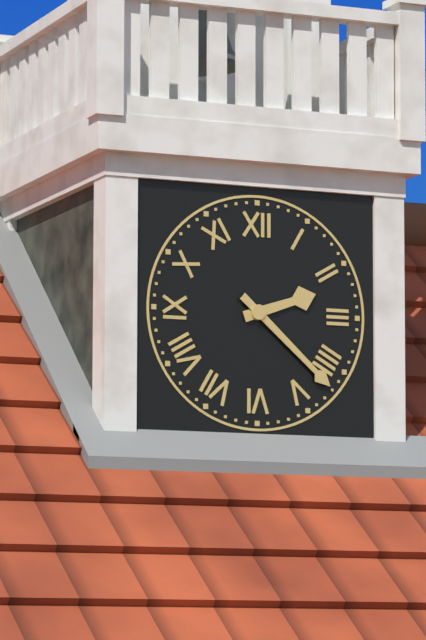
2:22
